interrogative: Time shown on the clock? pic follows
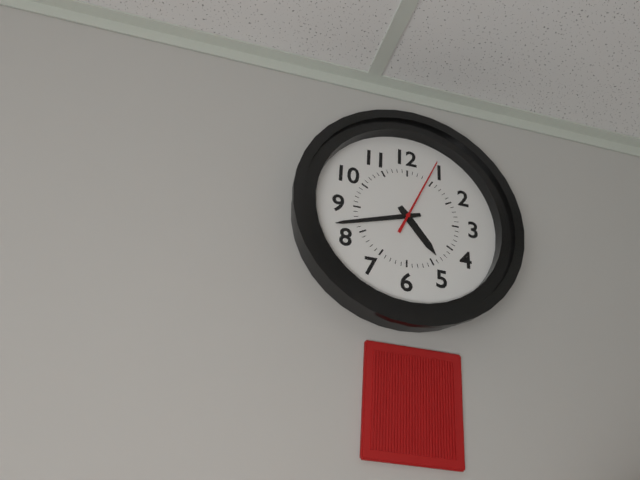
4:42:04
